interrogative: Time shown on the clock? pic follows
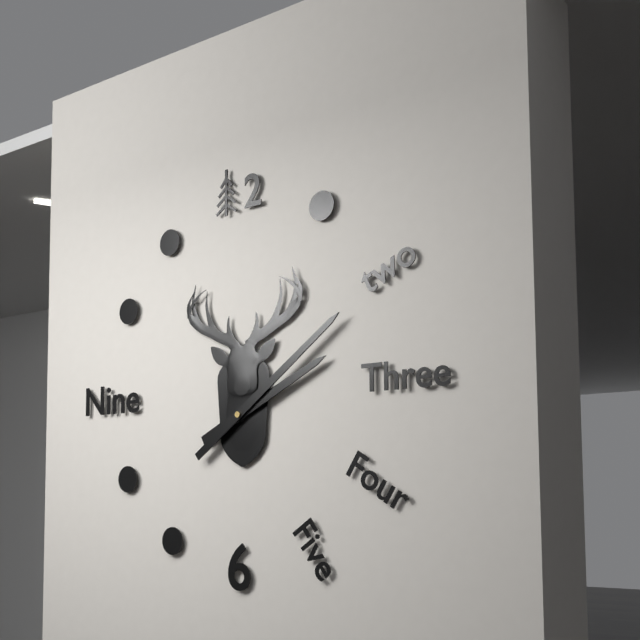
2:09
